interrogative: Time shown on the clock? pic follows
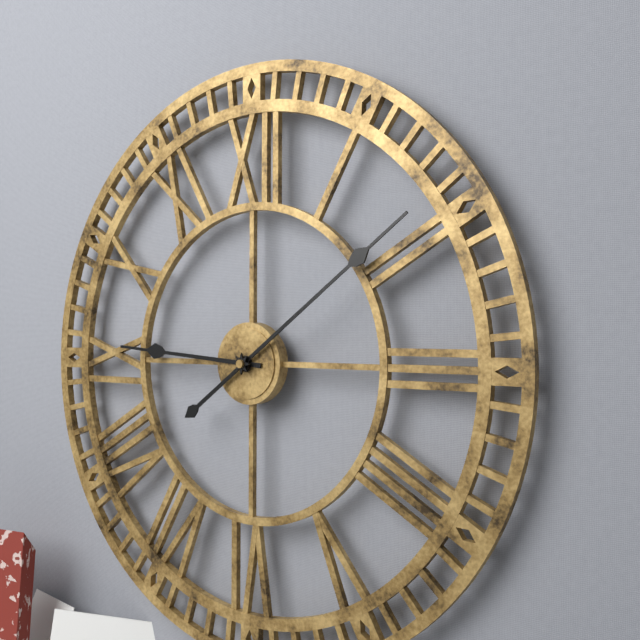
9:09
